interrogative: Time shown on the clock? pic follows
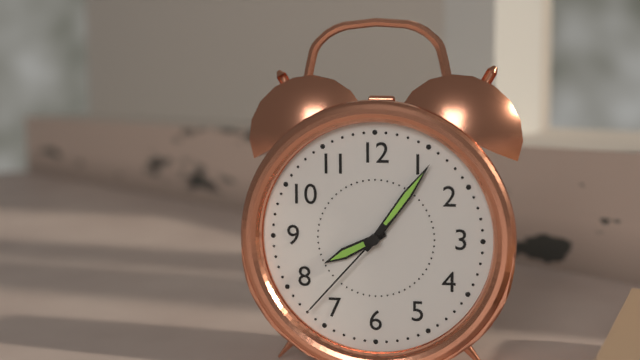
8:06:37
